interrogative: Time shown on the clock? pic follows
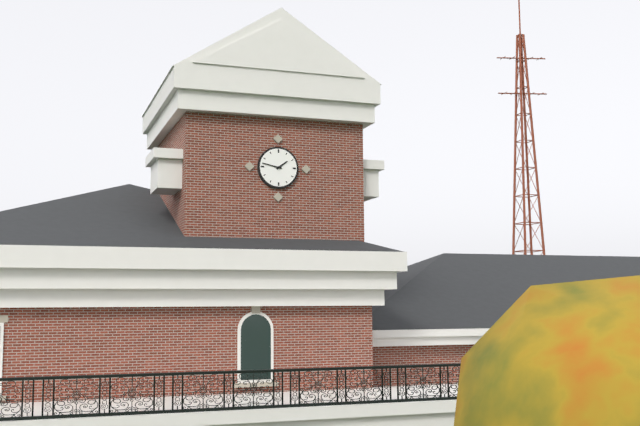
1:47
